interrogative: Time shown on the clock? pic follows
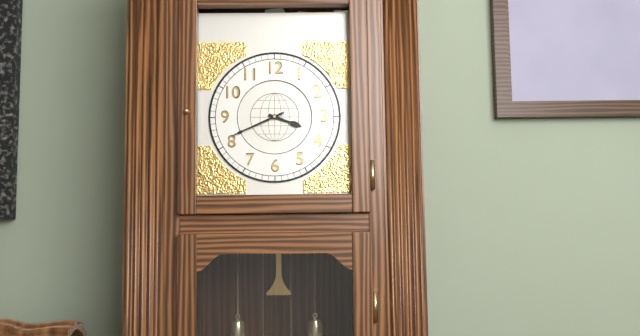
3:41
